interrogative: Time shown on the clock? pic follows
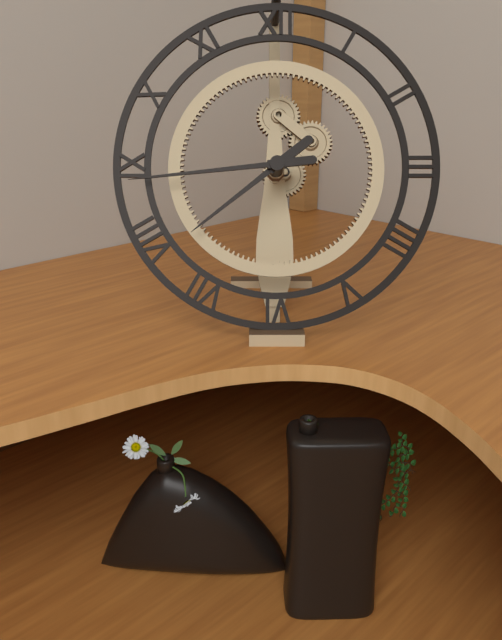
7:44
